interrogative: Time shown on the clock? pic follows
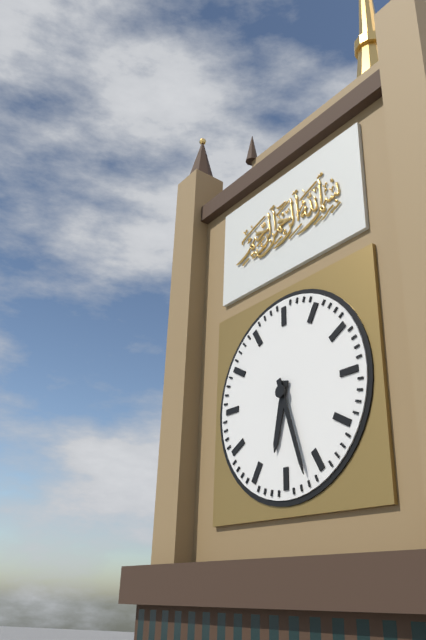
6:27
